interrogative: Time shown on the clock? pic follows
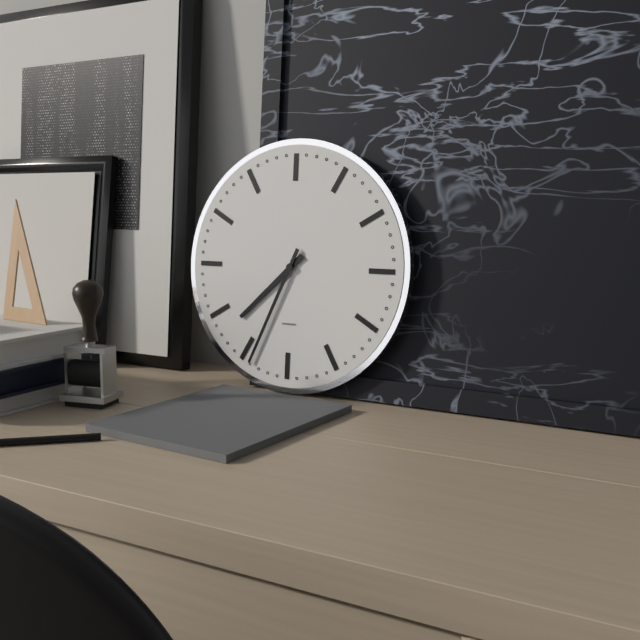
7:34
